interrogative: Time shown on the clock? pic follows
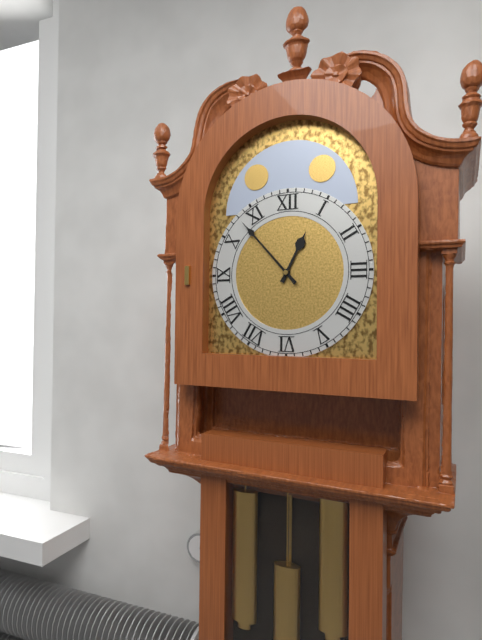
12:53
